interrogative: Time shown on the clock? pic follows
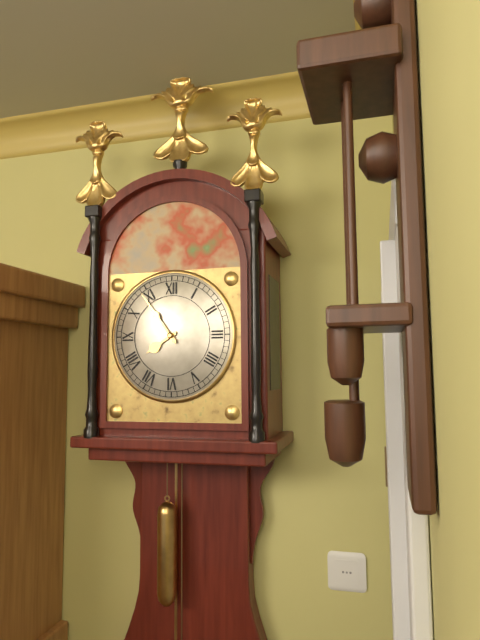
7:54
